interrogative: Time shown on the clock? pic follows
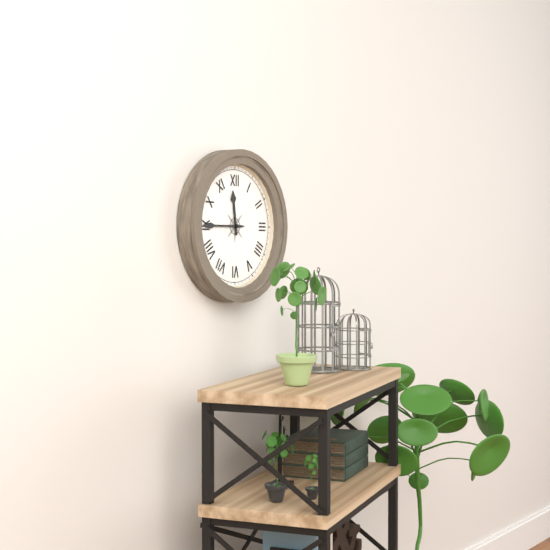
11:45
